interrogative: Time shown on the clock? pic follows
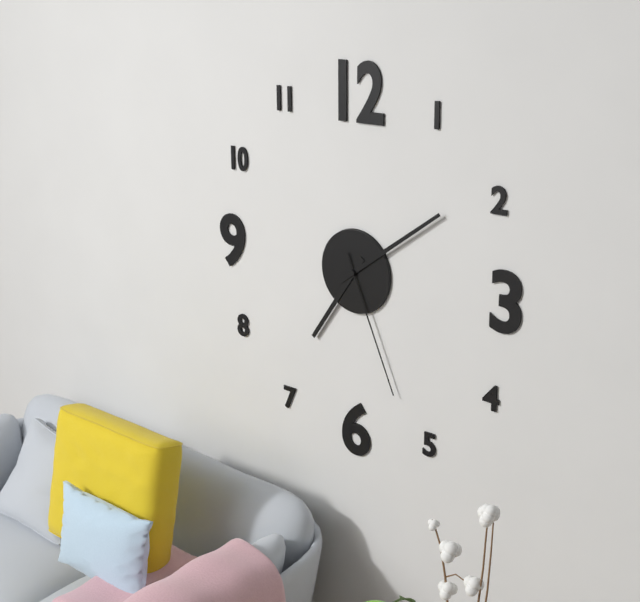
7:09:26
